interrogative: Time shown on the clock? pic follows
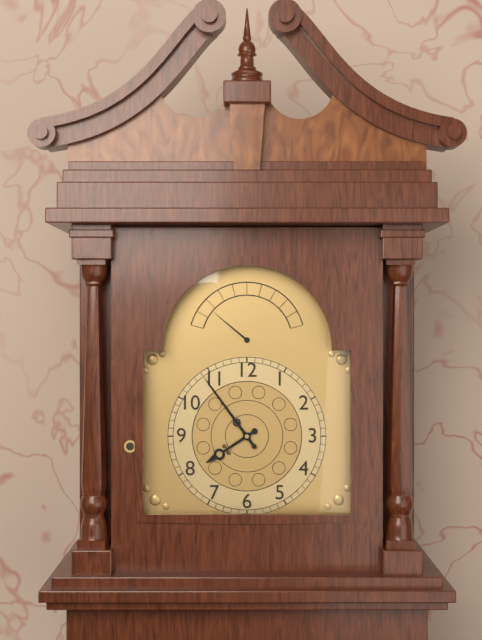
7:54
